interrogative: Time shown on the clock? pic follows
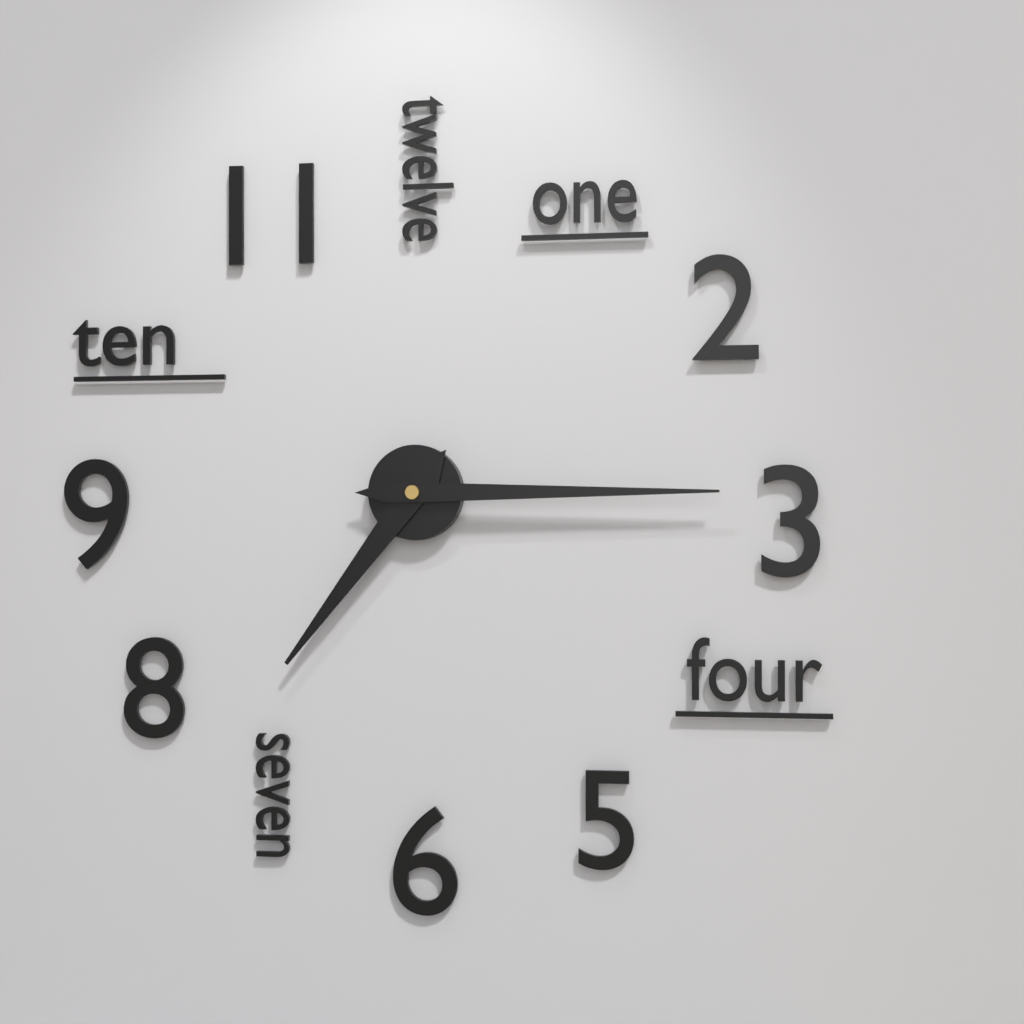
7:15
